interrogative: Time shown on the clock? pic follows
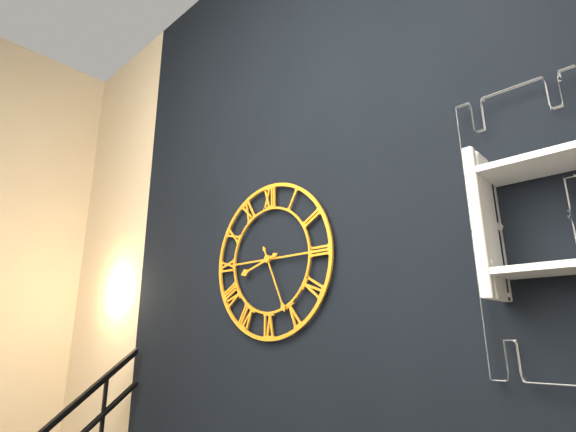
8:26
